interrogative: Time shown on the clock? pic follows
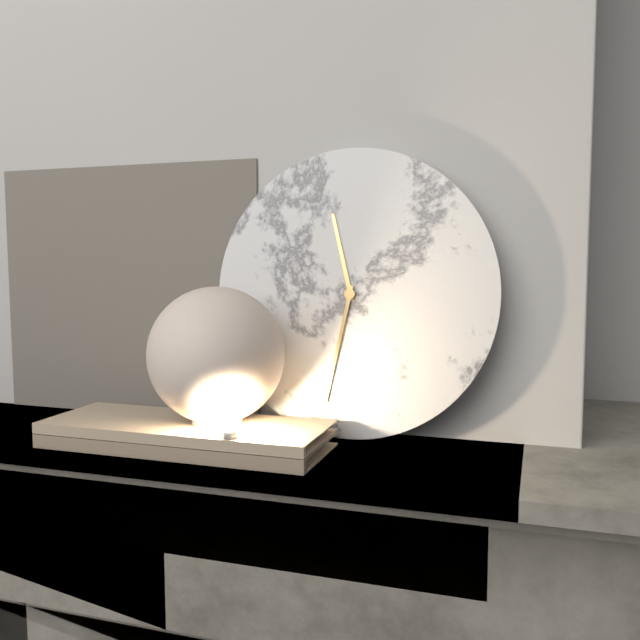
11:32
